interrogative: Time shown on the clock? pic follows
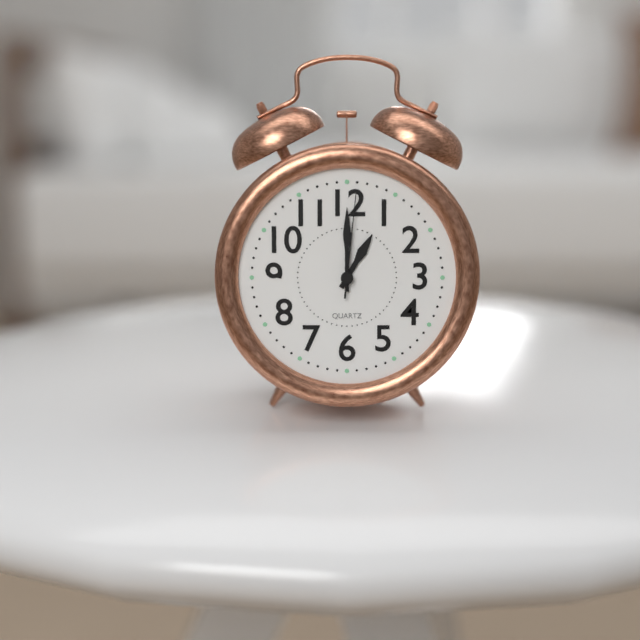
1:00:01
